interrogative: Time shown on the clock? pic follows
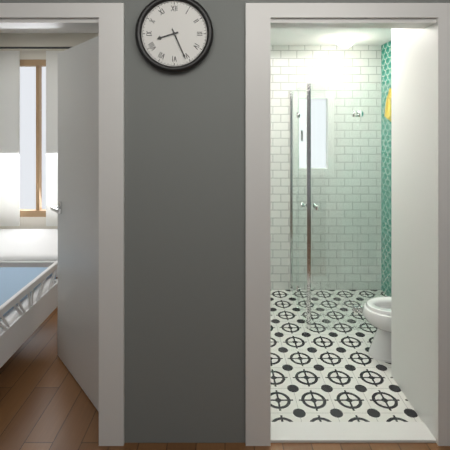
8:26
